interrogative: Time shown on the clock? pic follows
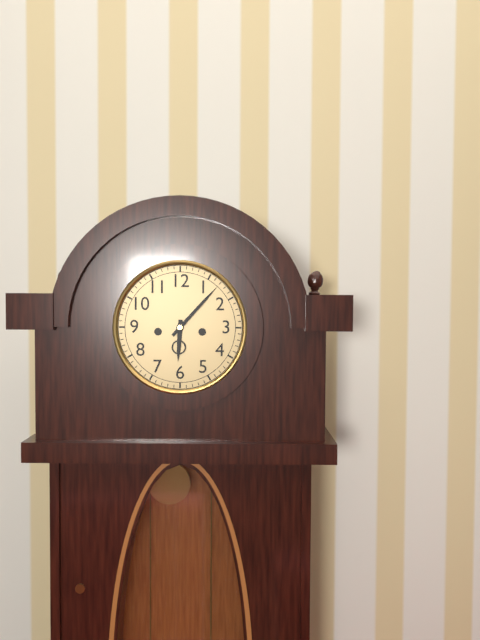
6:07
